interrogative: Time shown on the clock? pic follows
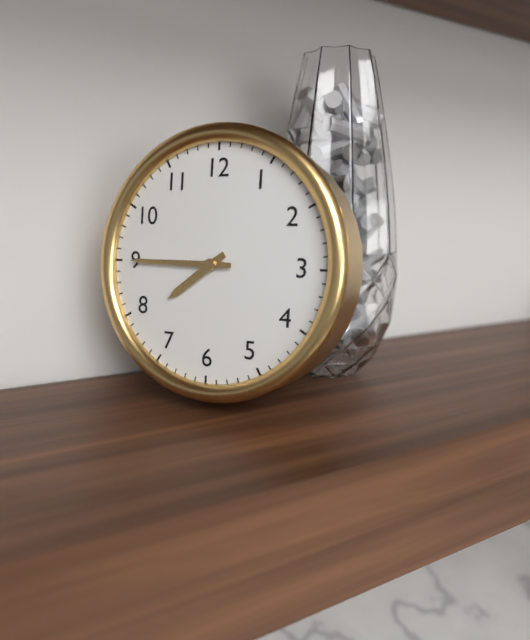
7:45
